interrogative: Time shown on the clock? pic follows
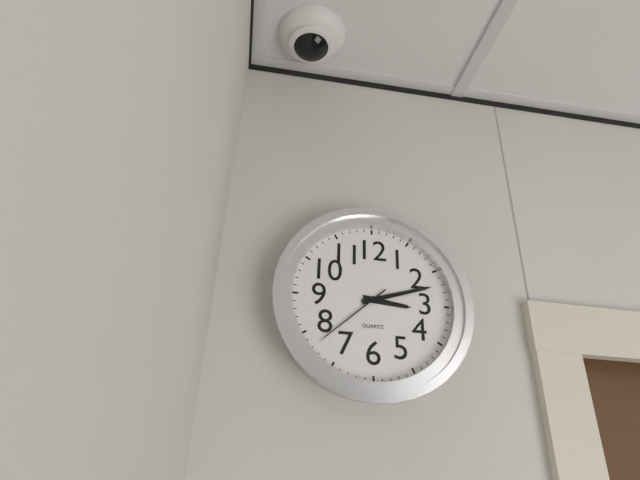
3:12:38
